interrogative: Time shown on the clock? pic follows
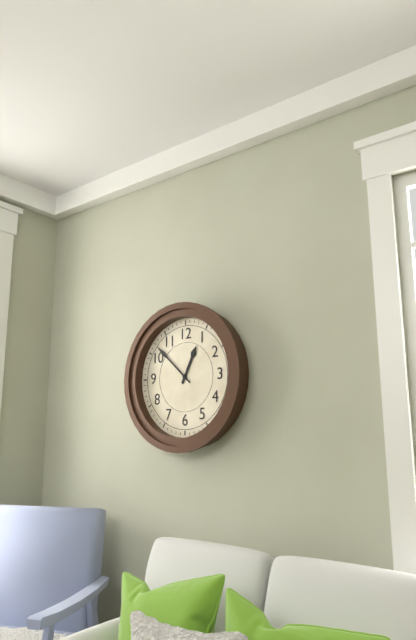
12:52
